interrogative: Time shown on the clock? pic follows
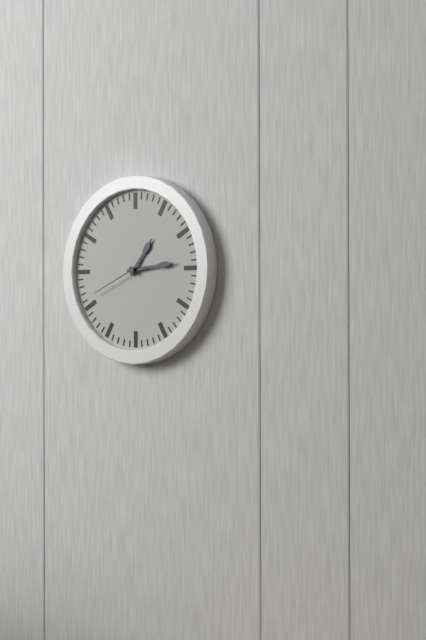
1:14:41
